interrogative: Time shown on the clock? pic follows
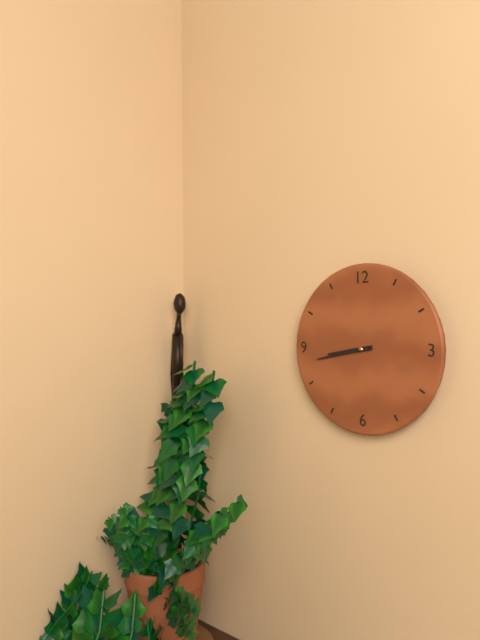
8:43
